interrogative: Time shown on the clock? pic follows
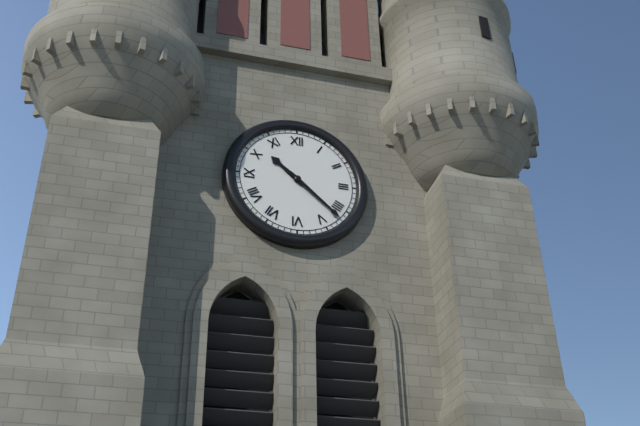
10:22
